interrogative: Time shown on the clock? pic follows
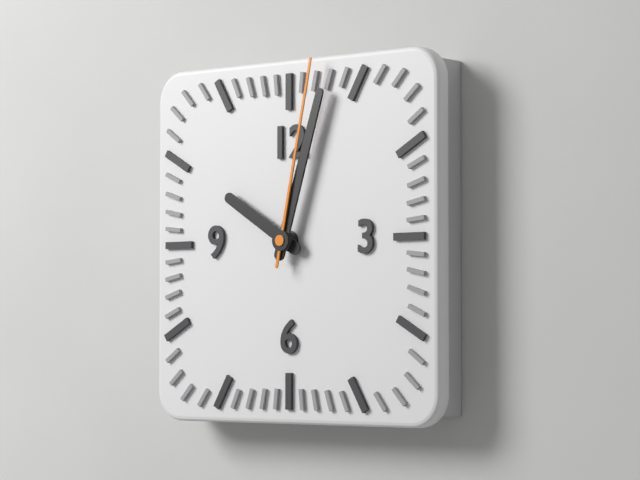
10:03:02
